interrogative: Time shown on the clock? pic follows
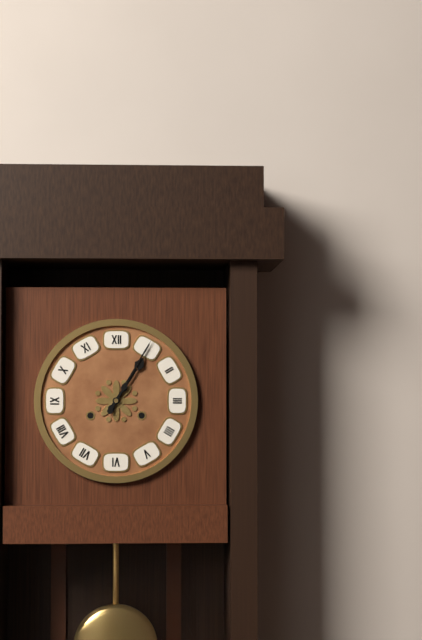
1:05
